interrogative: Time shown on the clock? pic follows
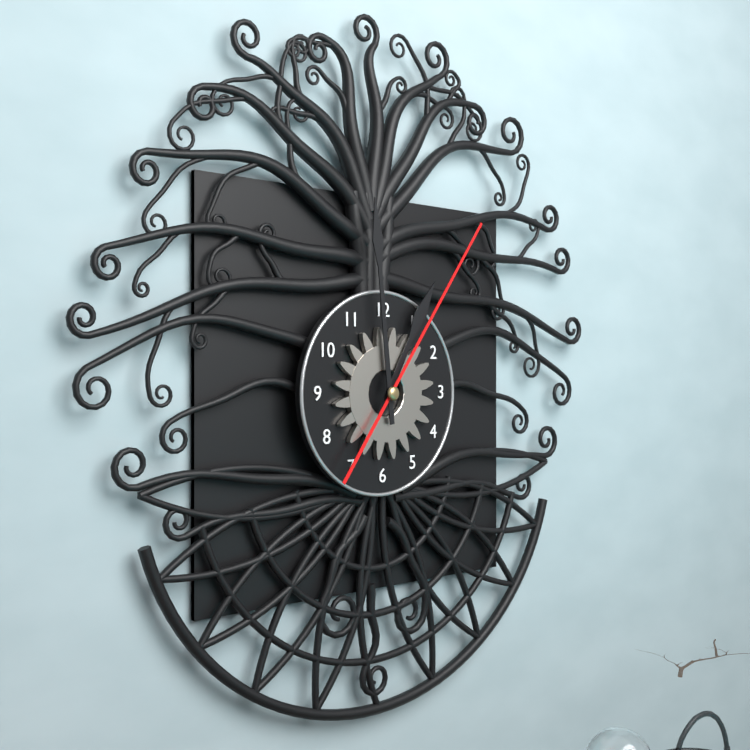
12:59:06
